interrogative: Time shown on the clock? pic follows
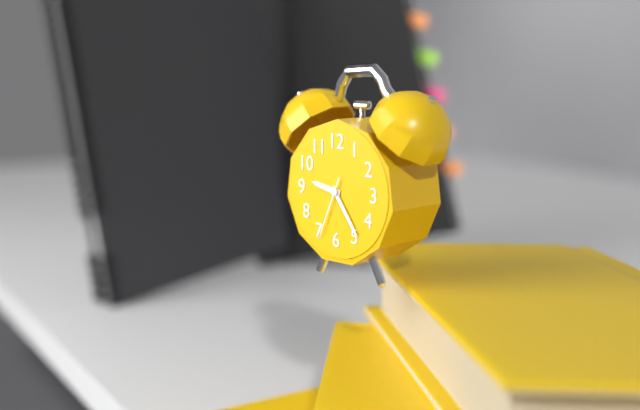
9:24:34
